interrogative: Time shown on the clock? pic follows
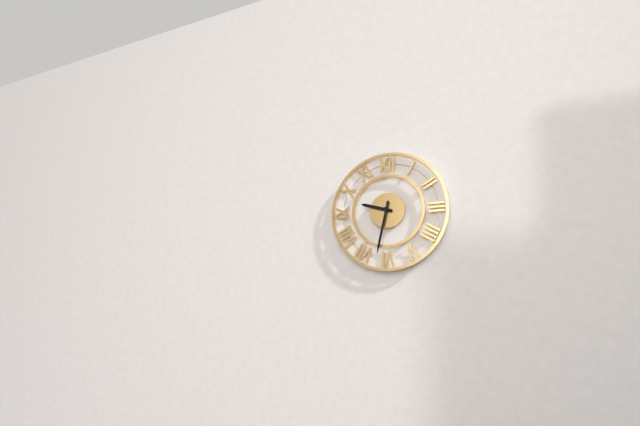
9:32
